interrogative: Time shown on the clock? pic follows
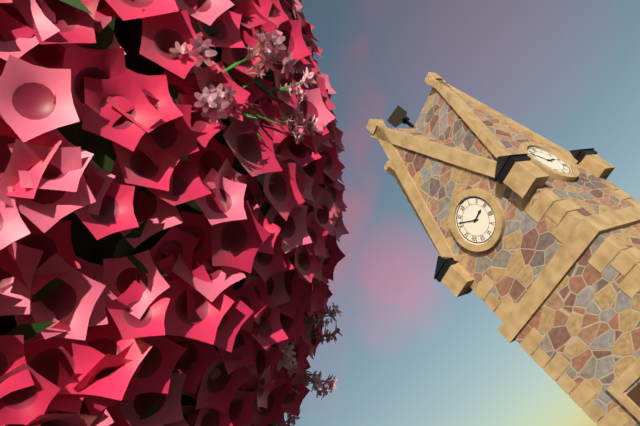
2:52
